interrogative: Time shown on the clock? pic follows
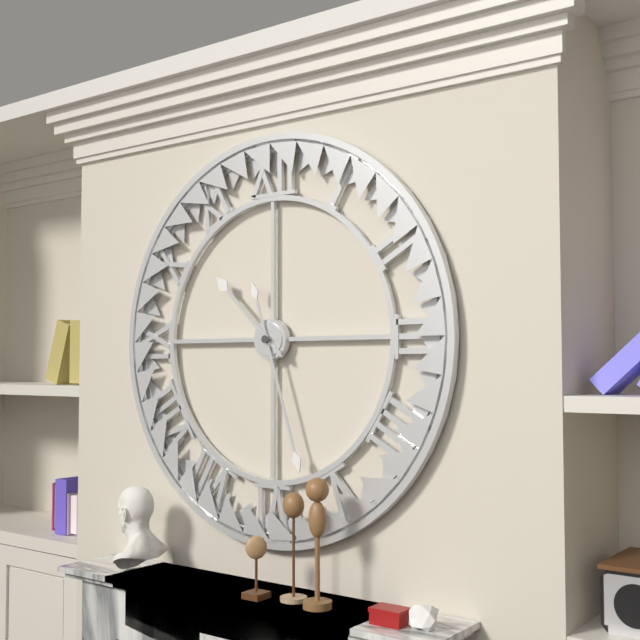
10:27
